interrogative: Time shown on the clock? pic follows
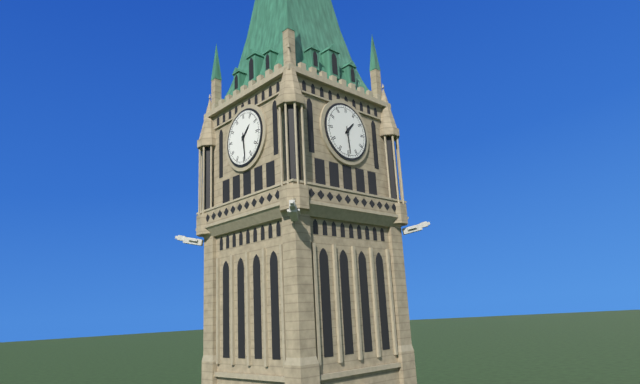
1:29
